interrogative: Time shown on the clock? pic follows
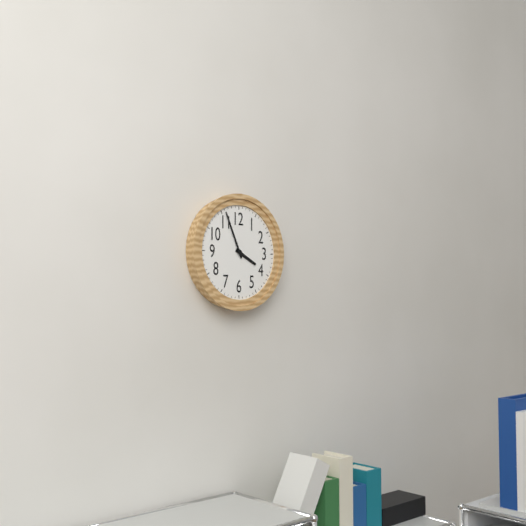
3:56
